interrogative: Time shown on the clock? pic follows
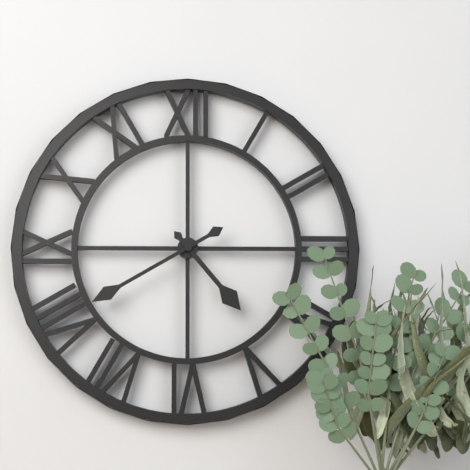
4:40
